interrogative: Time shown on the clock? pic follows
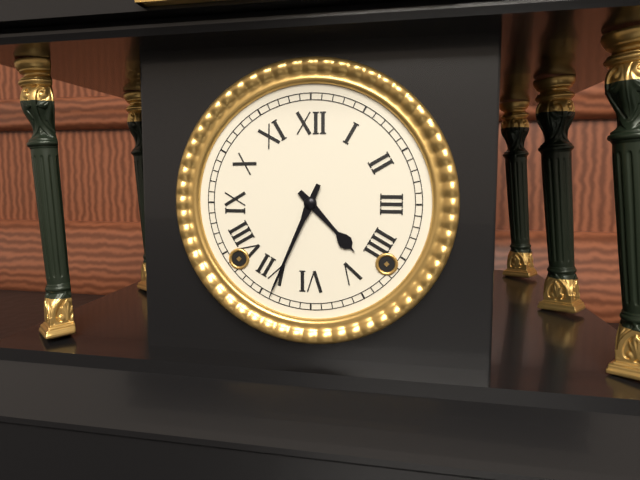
4:34
